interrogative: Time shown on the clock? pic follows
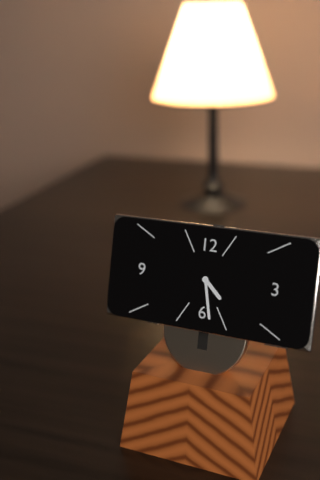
4:28
